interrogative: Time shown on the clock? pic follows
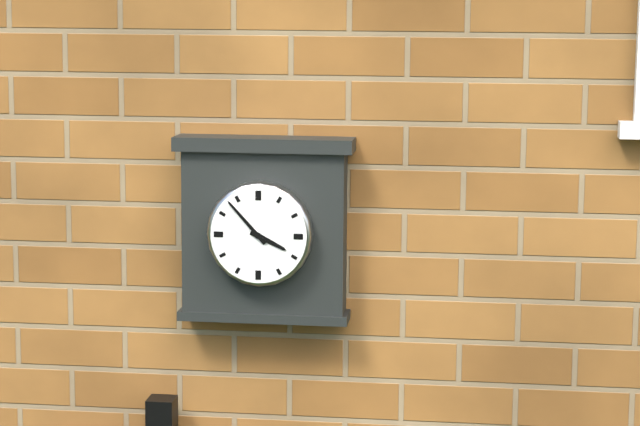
3:53
